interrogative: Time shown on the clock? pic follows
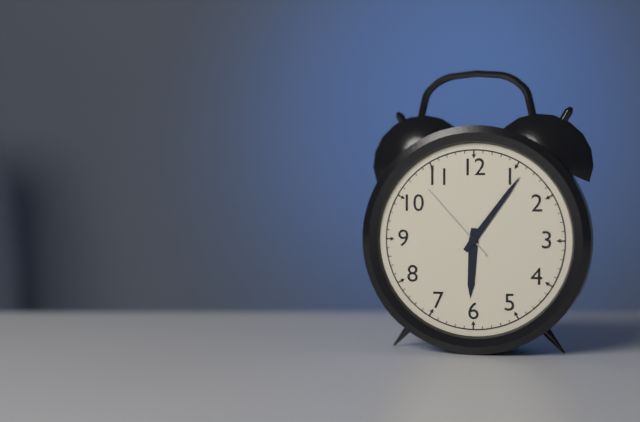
6:06:53
